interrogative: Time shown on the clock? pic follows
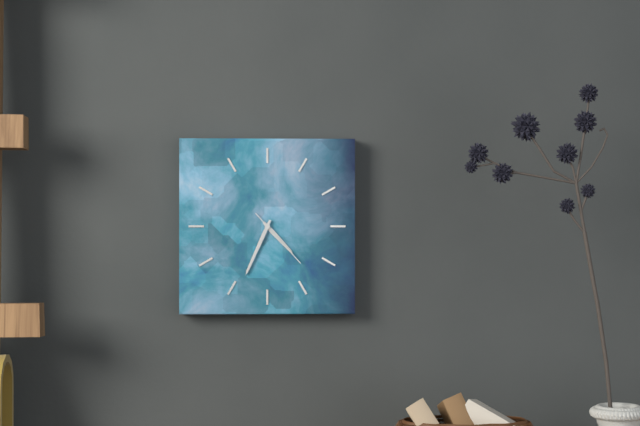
4:34:23
